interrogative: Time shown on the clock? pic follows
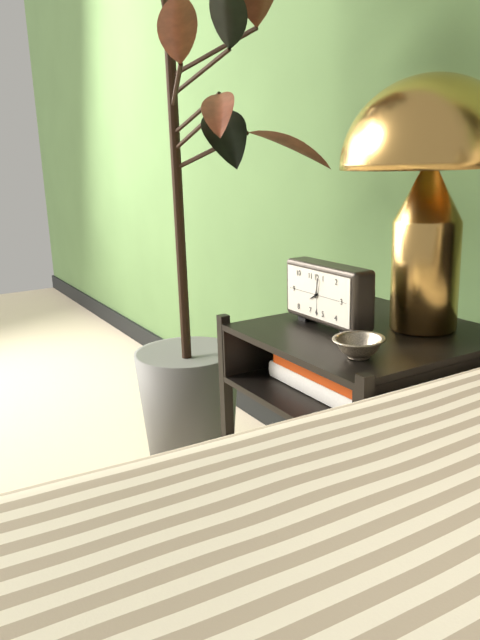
8:02
